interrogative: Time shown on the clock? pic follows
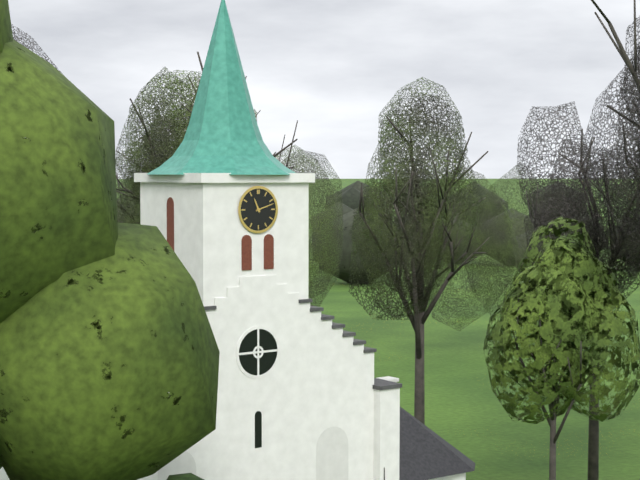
11:12
